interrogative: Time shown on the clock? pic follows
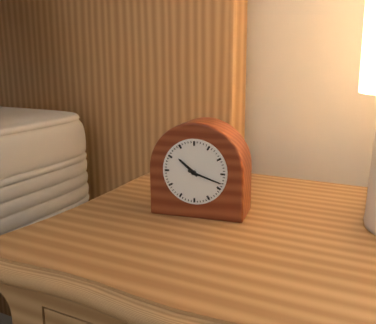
10:18
